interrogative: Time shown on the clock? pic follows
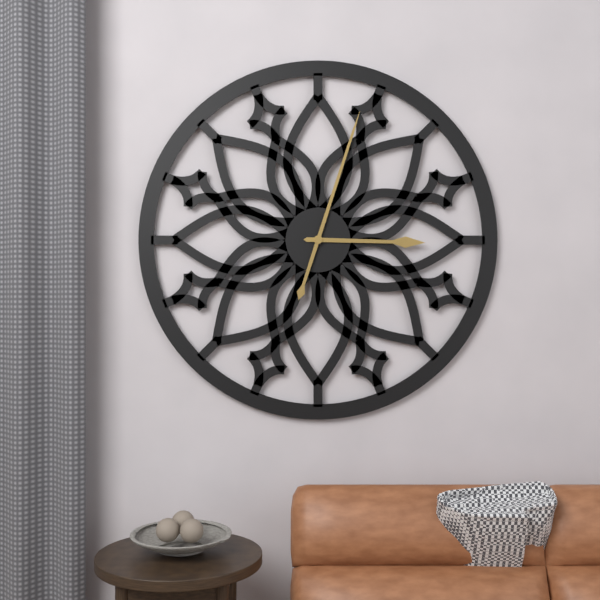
3:03
